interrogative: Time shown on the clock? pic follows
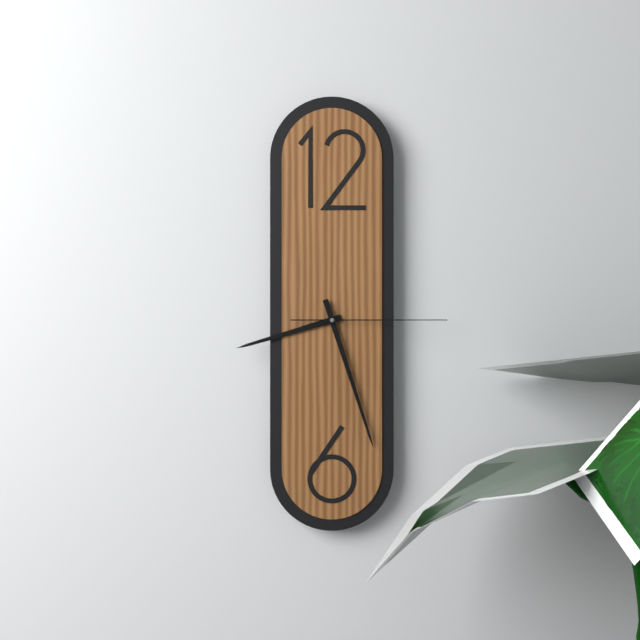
8:27:15
